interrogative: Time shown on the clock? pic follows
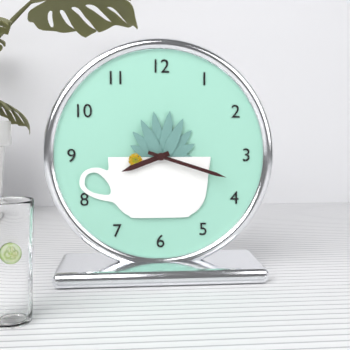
8:18
